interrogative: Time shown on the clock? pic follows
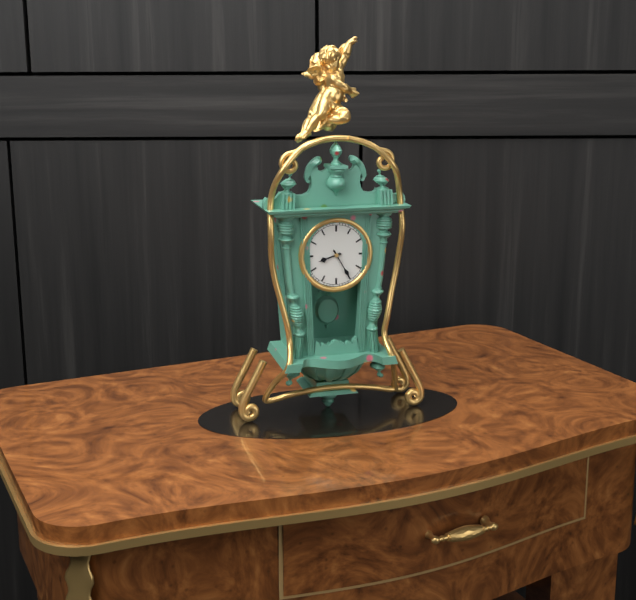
8:25
